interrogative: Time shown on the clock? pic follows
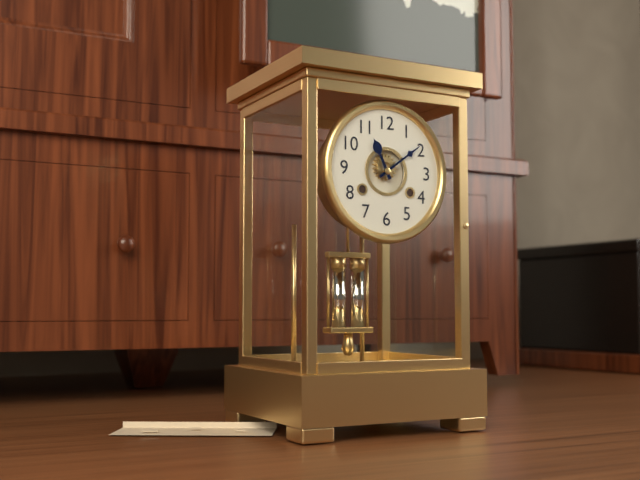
11:09
